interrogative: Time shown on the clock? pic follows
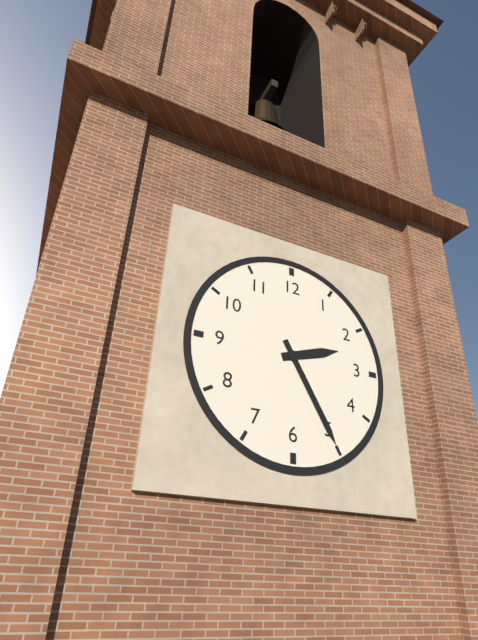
2:25
